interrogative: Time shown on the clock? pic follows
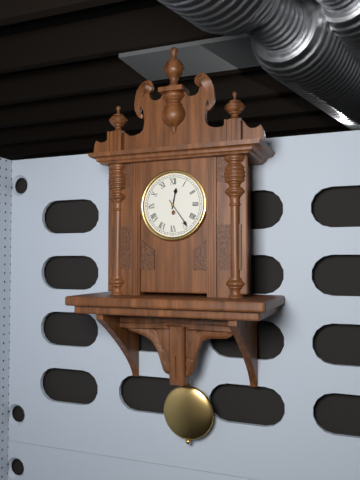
12:24
